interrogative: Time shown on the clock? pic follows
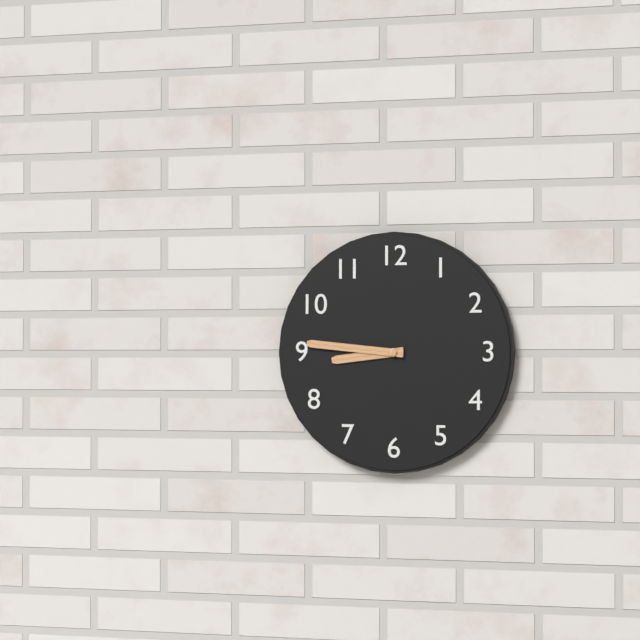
8:46
